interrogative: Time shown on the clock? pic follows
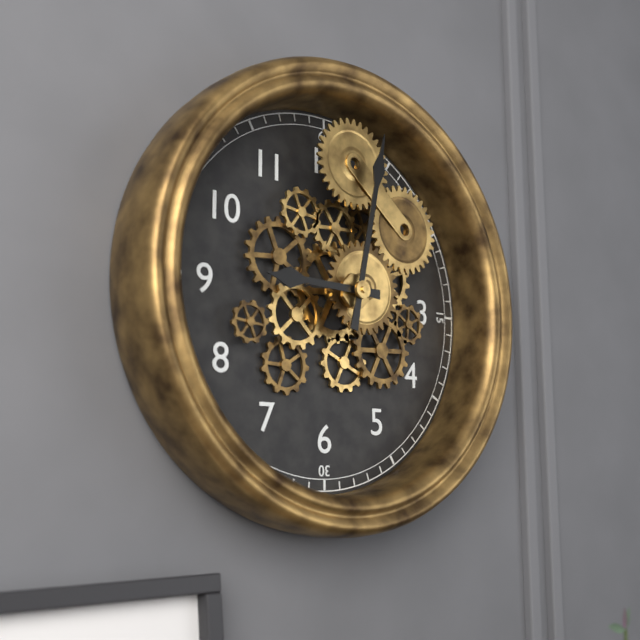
9:02
